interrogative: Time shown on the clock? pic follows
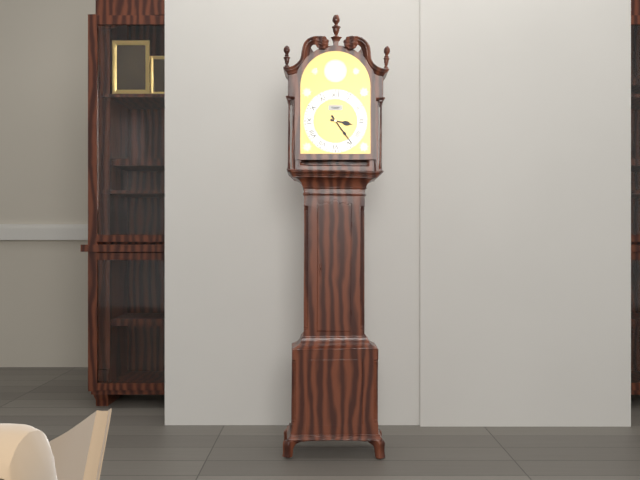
3:24
